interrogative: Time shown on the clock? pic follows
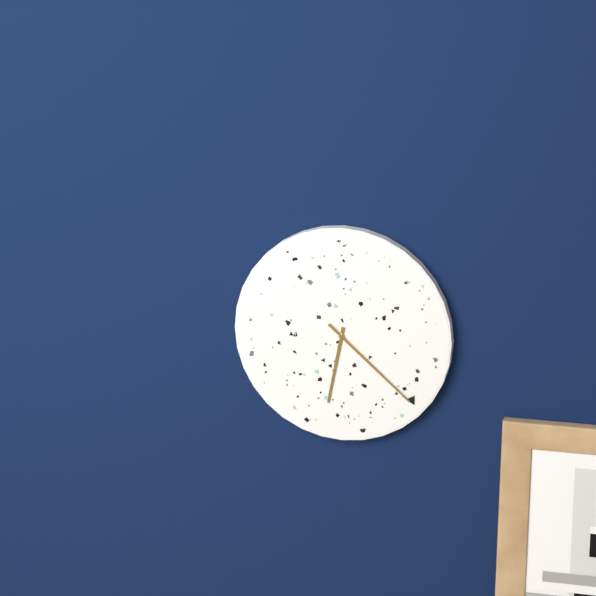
6:22
